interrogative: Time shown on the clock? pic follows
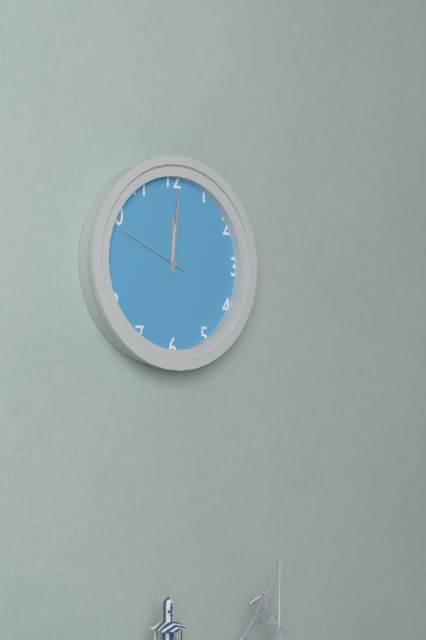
12:01:49
